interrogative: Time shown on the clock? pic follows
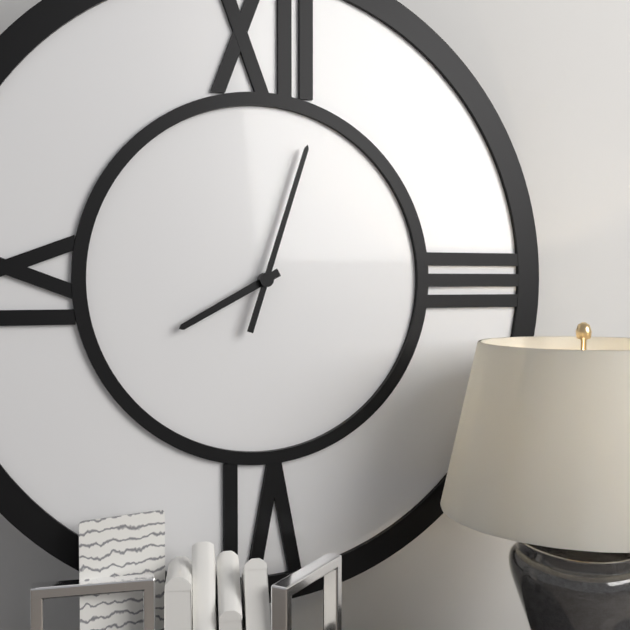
8:03
